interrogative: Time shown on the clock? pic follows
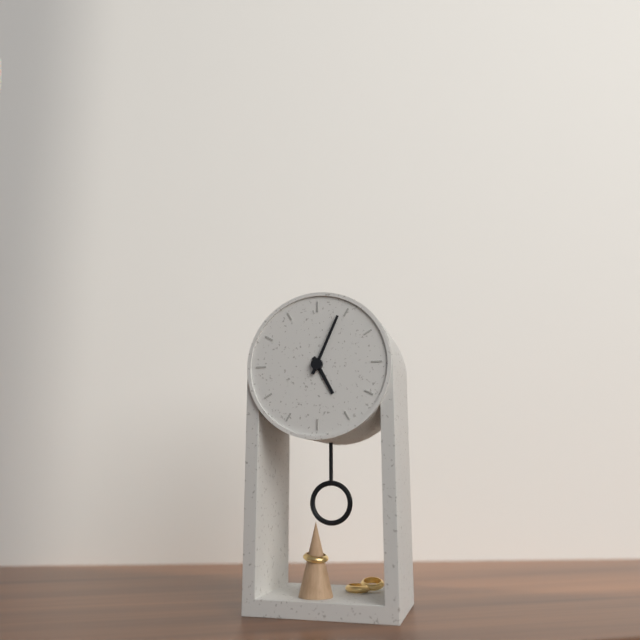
5:04
